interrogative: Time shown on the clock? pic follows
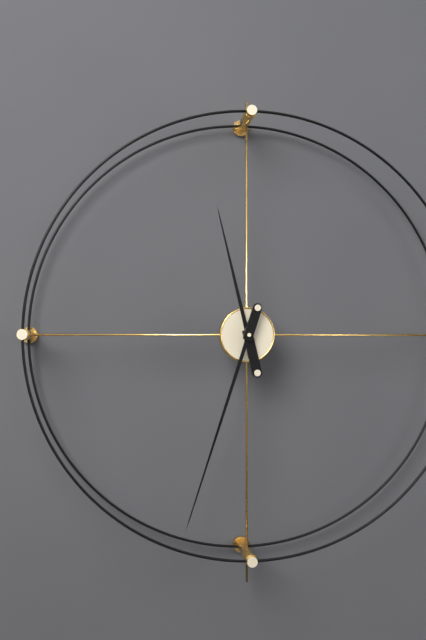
11:33
